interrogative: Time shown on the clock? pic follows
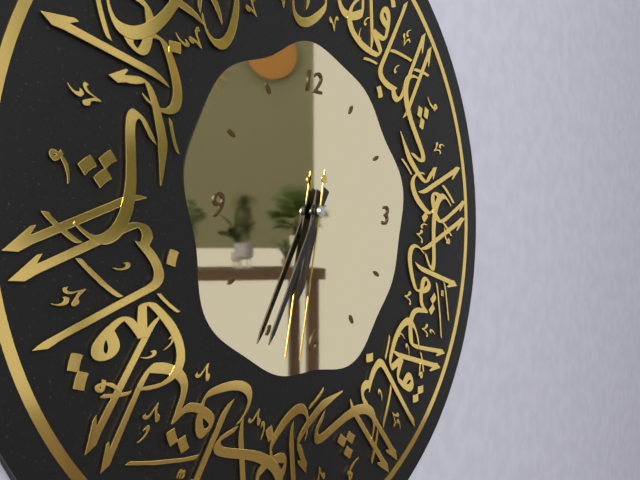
6:35:32
